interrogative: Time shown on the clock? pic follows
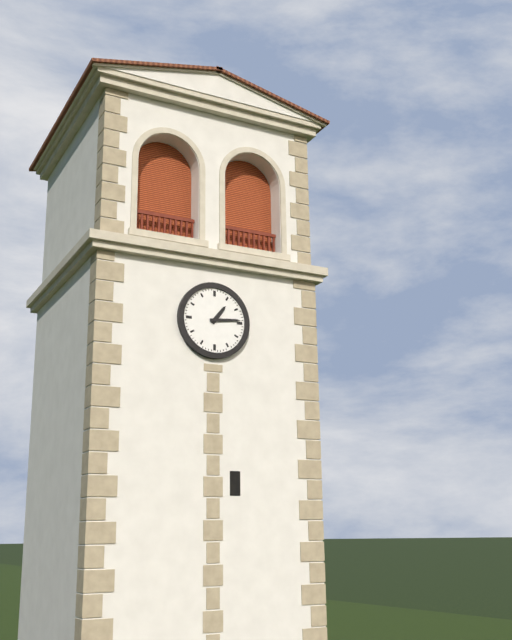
1:14
